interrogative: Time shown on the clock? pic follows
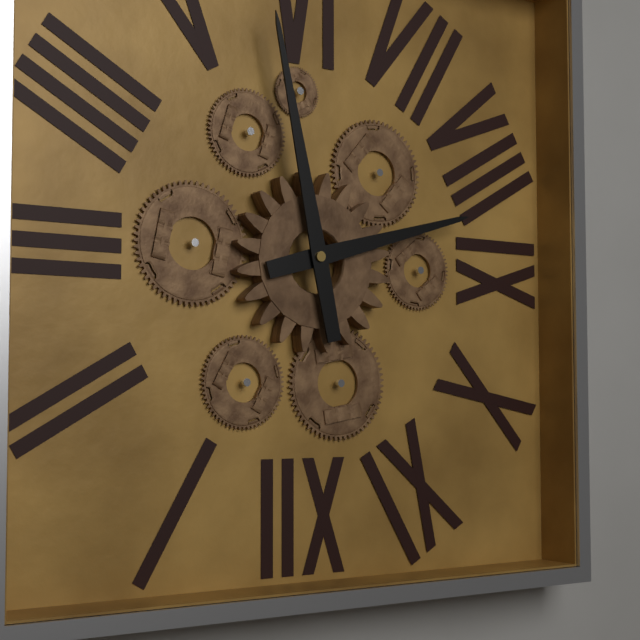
8:28
